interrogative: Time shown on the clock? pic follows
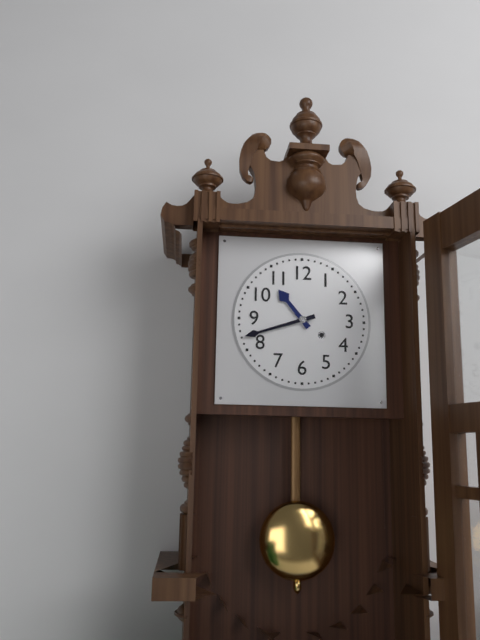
10:42
